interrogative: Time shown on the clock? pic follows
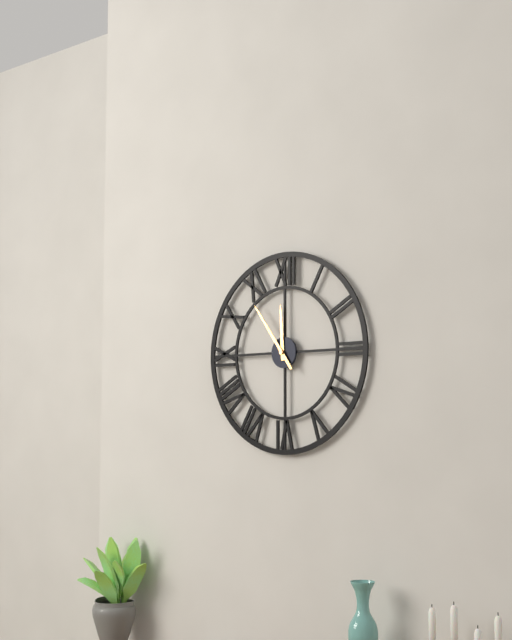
11:54
